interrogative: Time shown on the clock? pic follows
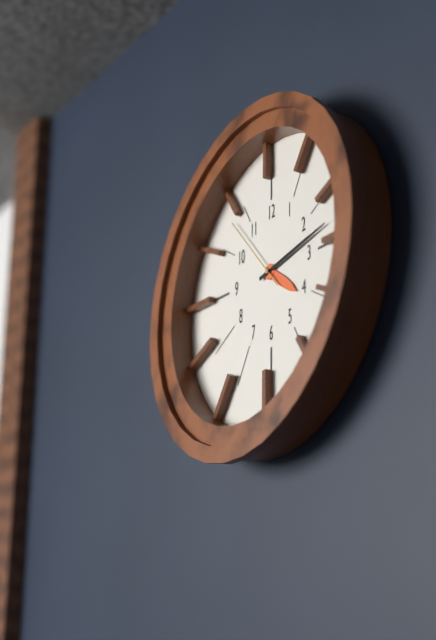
4:13:53
